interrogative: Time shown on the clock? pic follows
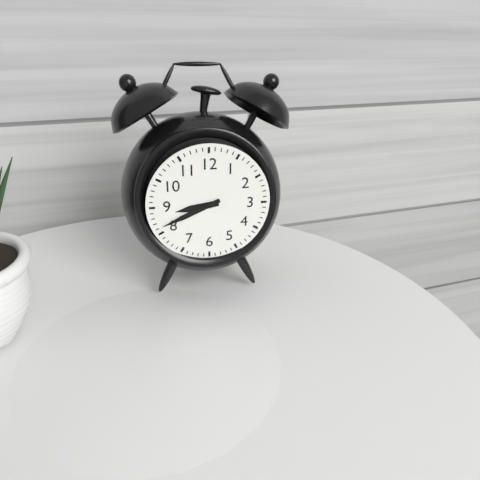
8:41
